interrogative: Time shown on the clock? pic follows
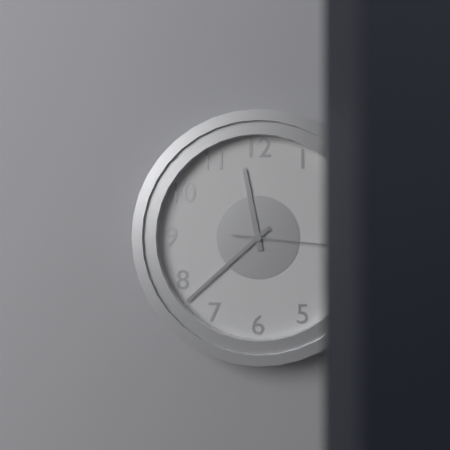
11:38
